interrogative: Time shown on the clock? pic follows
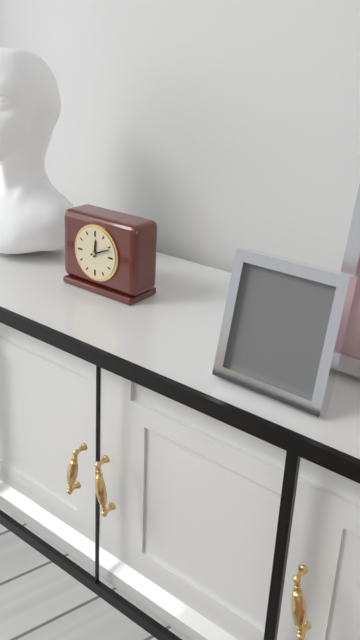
12:11
